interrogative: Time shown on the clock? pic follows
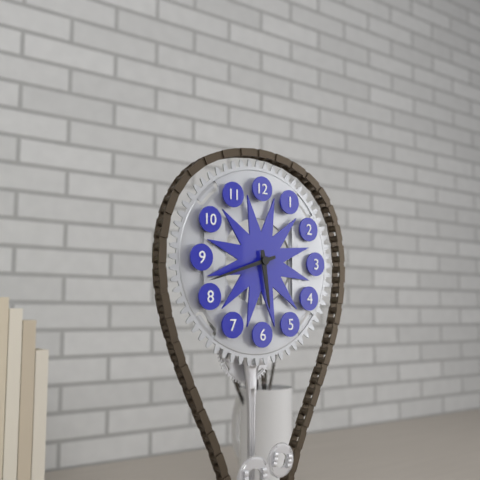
5:42
